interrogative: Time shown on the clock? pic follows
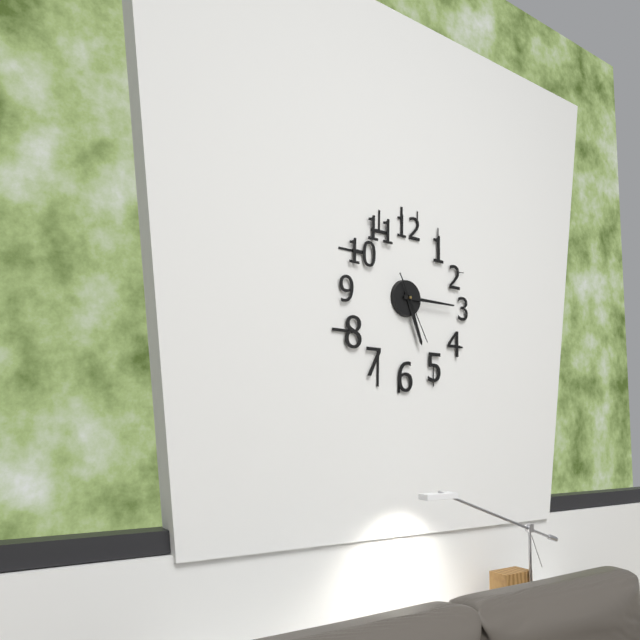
5:15:25
